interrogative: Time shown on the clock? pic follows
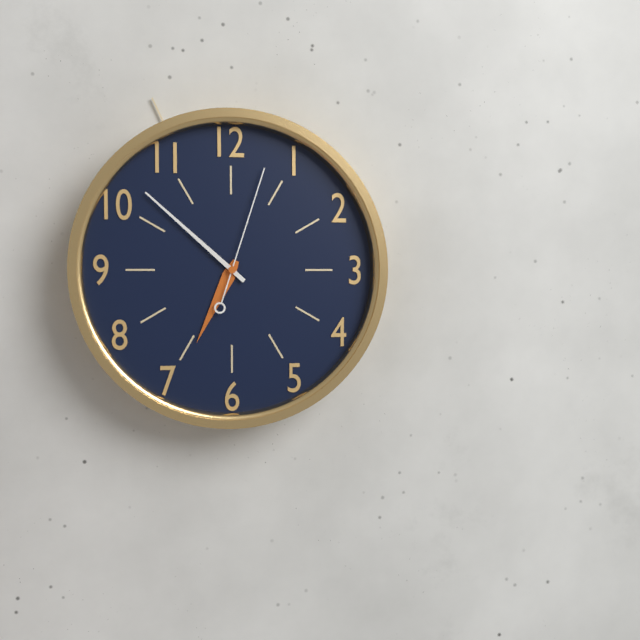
6:52:03
